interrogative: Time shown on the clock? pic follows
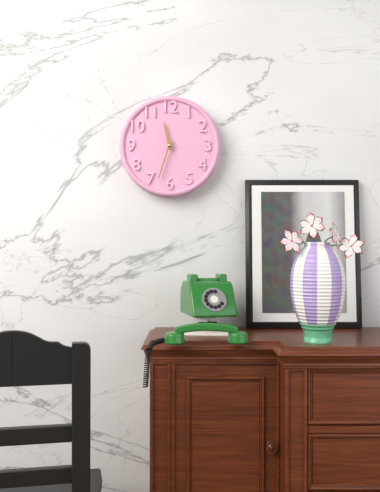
11:33
